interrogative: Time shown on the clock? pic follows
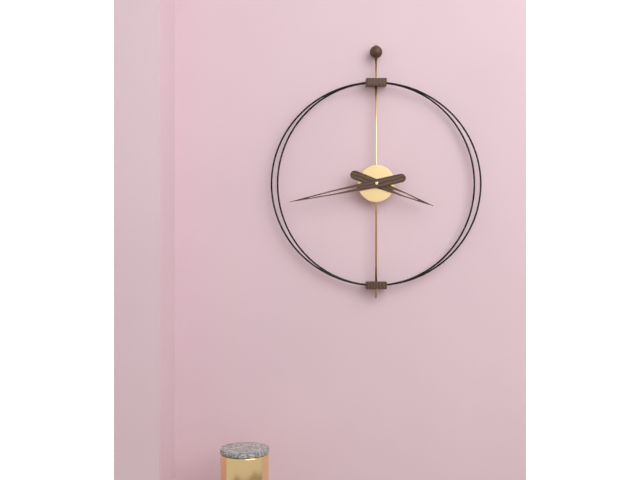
3:43
